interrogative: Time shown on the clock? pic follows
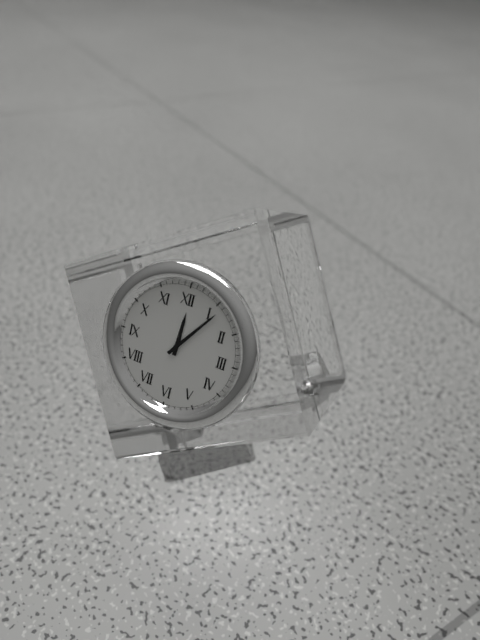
12:06
